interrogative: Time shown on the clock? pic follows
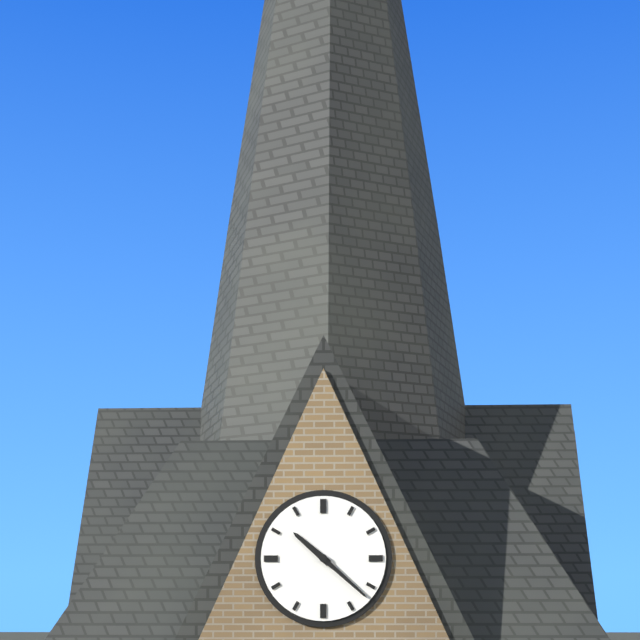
10:22
